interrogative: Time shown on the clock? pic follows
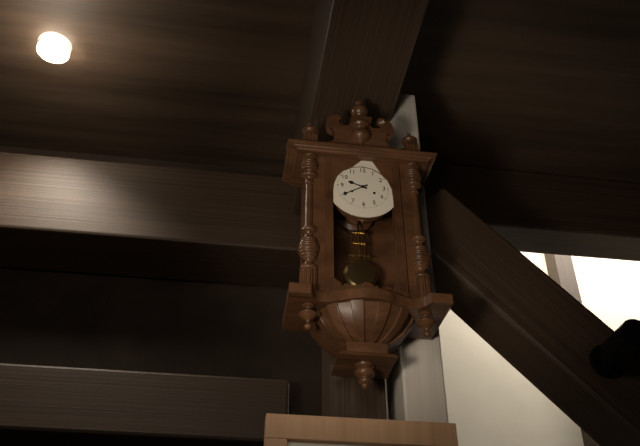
9:40
